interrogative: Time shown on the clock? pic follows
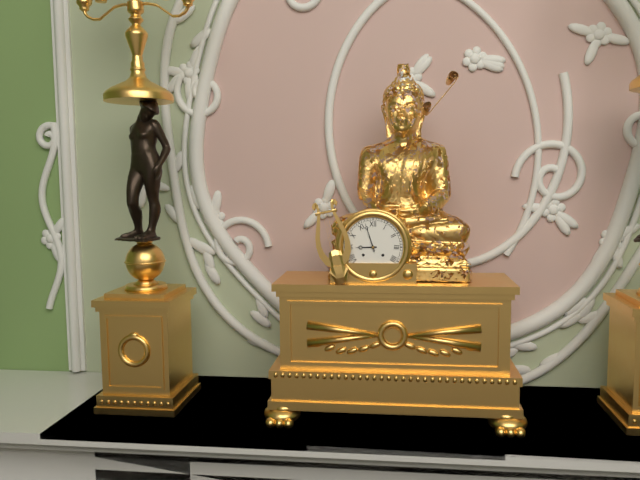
8:57
